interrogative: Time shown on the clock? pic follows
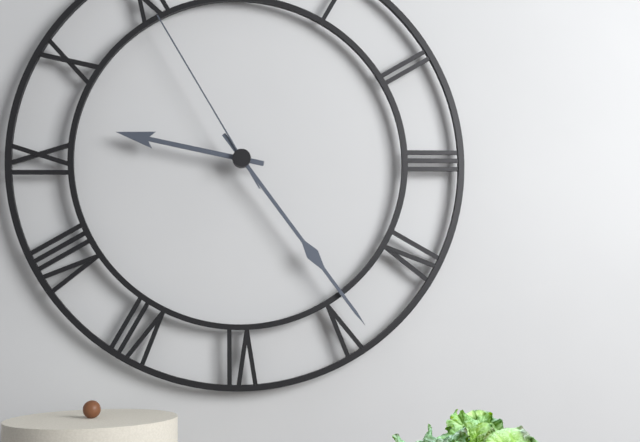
9:24:55
